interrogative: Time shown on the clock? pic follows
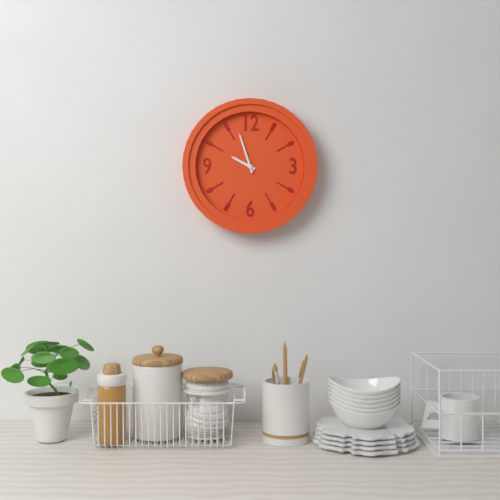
9:57
